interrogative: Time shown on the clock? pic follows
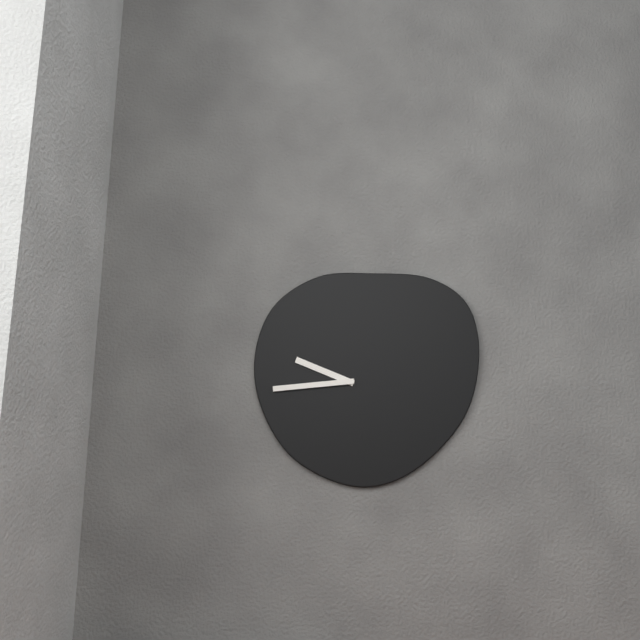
9:44
